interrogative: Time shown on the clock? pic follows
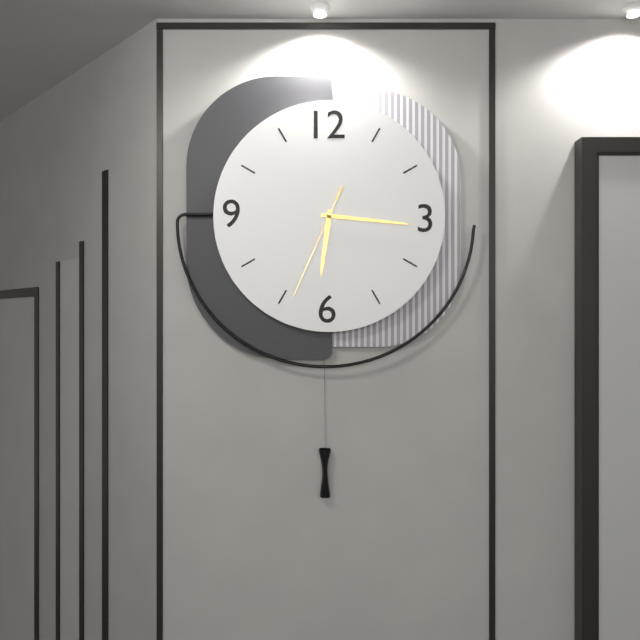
6:16:34
